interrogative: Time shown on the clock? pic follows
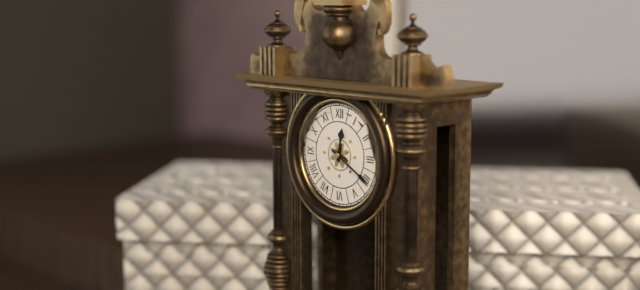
12:20
